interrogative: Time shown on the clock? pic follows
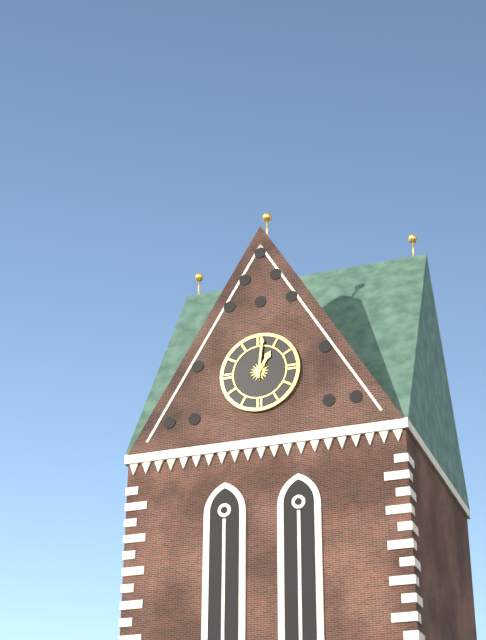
1:01
